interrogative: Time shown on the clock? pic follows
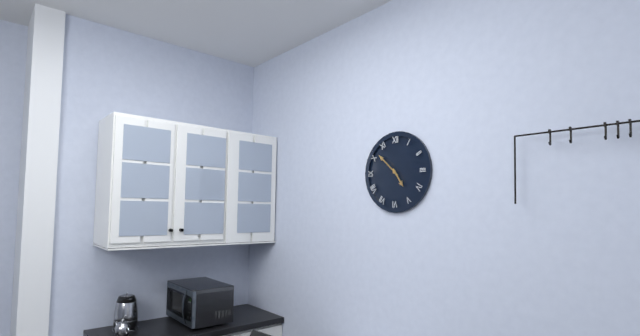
4:52
